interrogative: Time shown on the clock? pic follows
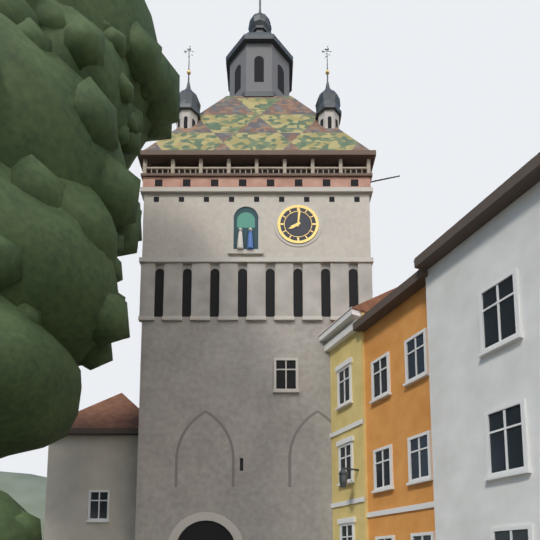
8:01
